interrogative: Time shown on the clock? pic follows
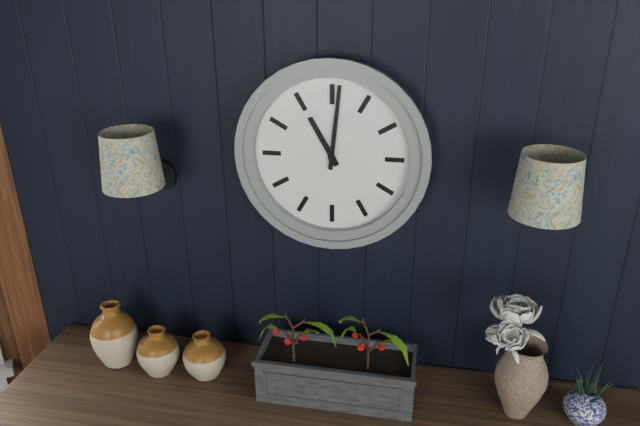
11:01
